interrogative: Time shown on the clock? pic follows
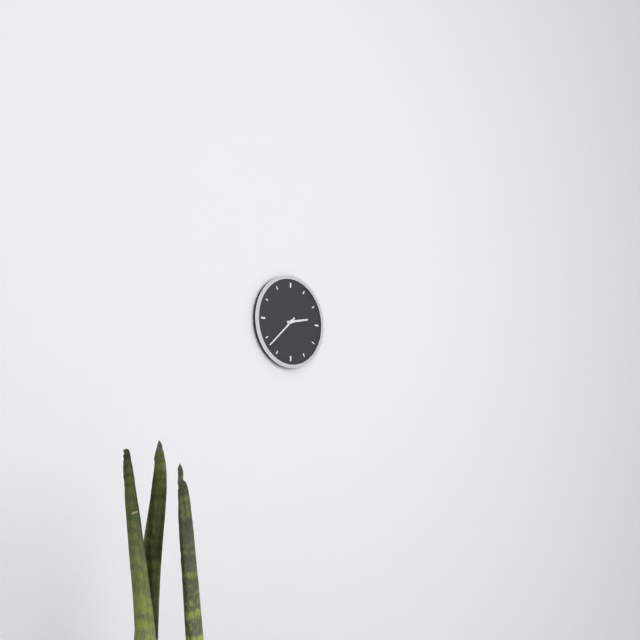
2:38
